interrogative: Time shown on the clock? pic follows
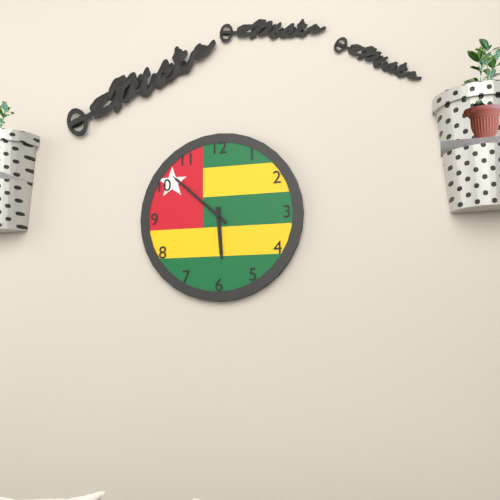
5:52
